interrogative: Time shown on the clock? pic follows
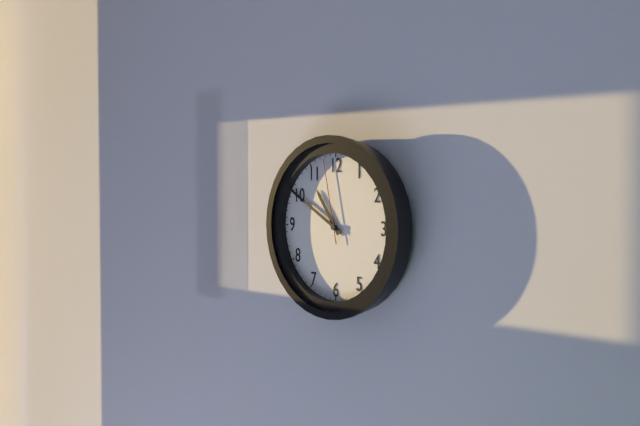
10:50:58
